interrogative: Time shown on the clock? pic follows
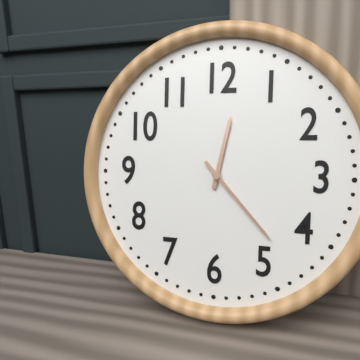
12:23
